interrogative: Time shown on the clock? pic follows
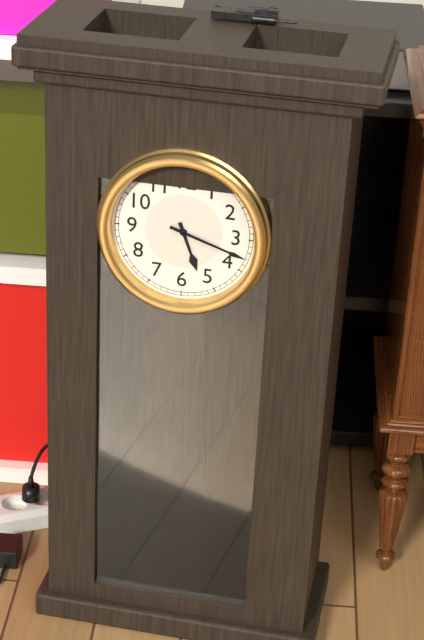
5:18
